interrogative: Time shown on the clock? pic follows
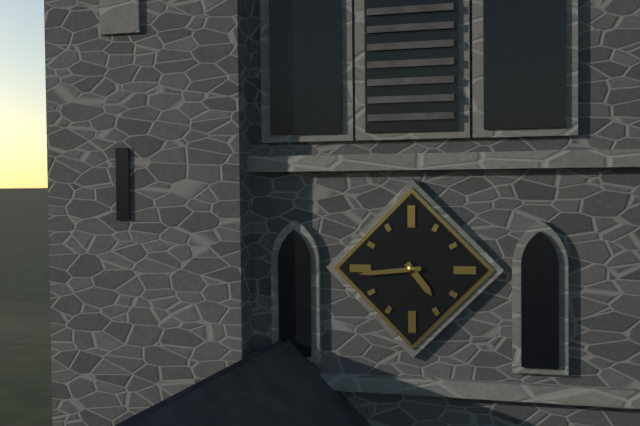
4:44
